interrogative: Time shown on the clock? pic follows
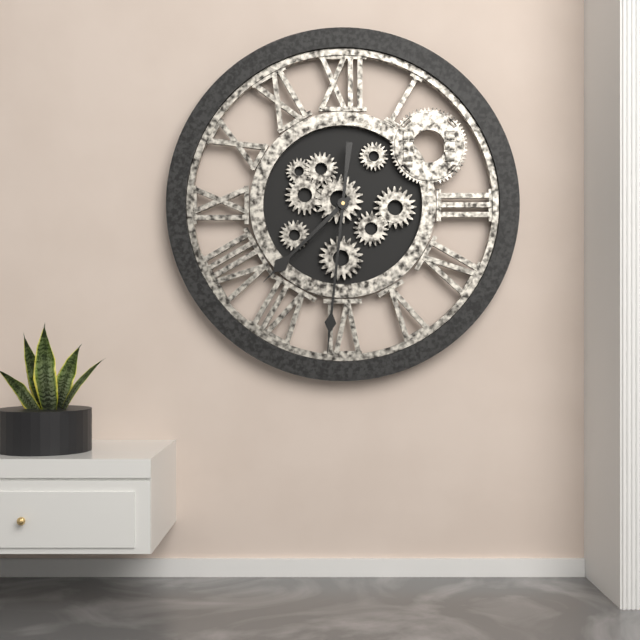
7:31
